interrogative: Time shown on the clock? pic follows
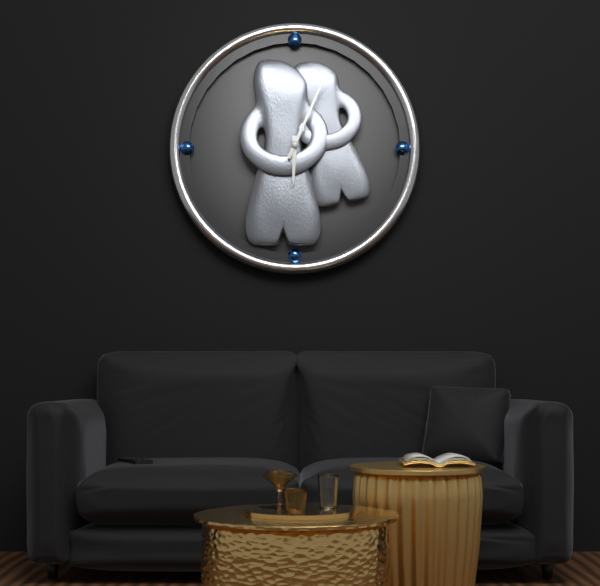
6:04
